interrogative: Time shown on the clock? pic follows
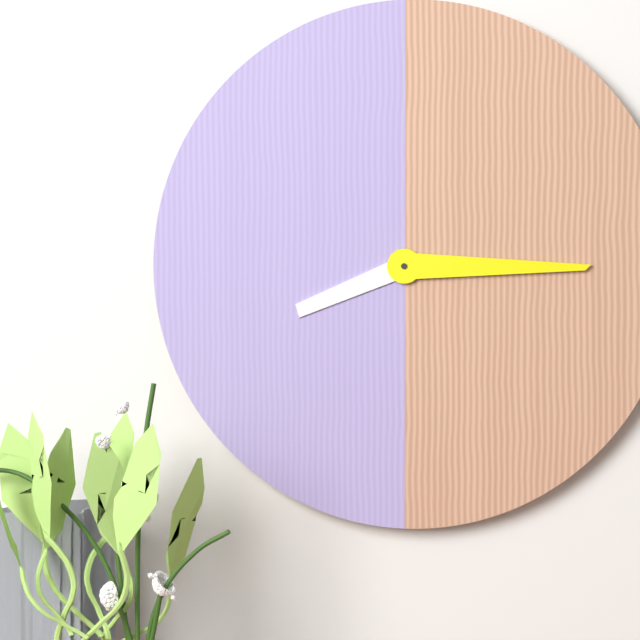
8:15
